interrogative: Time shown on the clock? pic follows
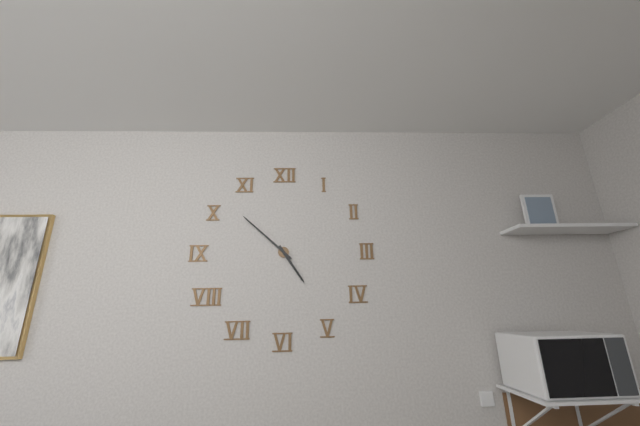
4:52
